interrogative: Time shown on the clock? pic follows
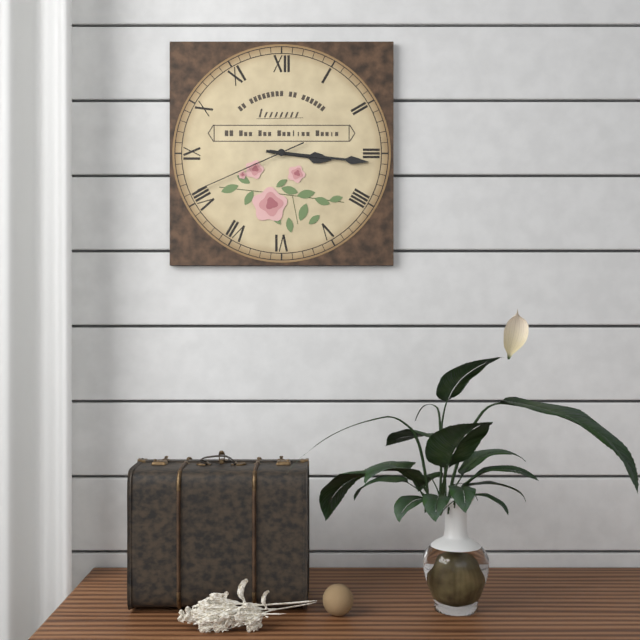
3:16:41
